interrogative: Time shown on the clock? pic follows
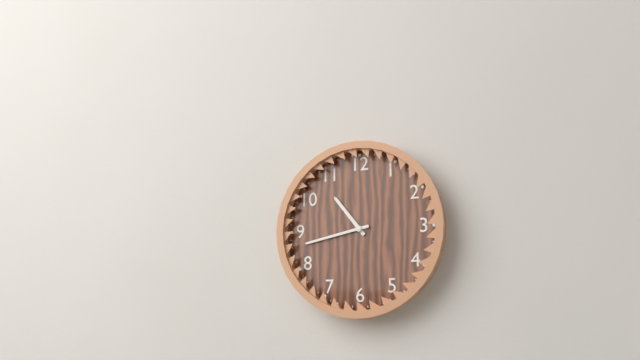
10:43
